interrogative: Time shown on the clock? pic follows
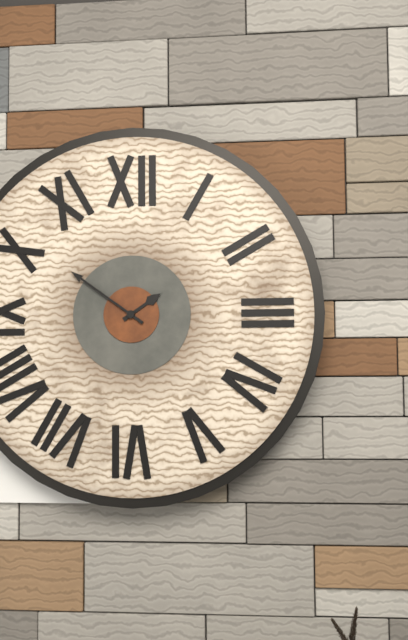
1:51
